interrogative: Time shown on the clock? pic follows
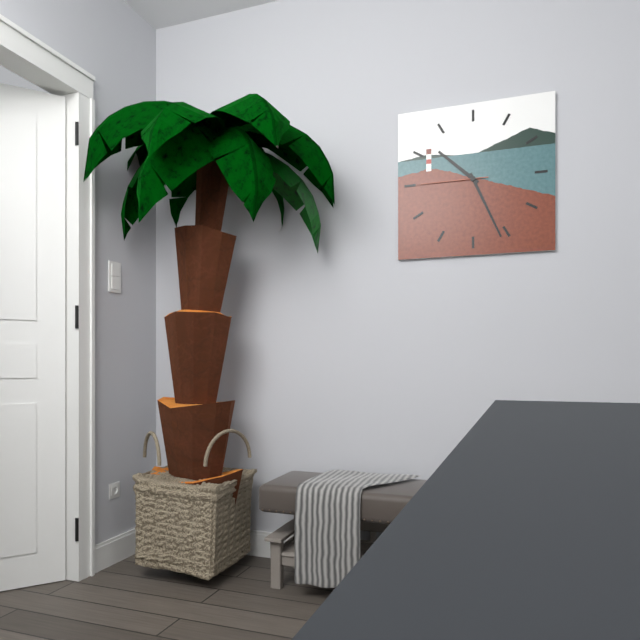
10:26:45
